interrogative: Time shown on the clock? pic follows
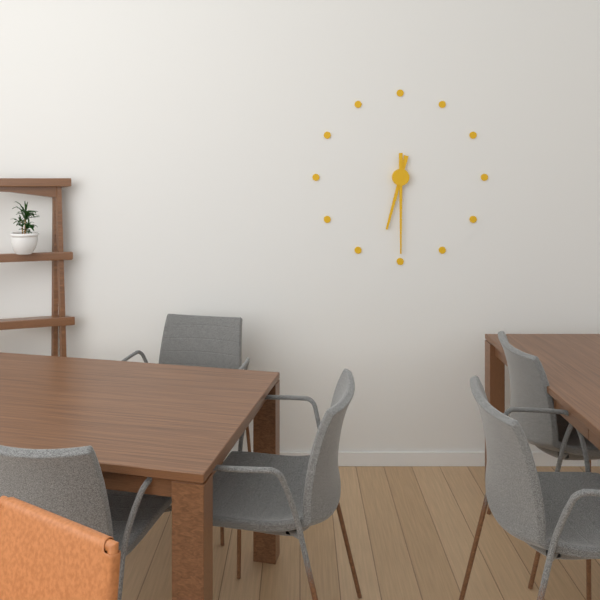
6:30
